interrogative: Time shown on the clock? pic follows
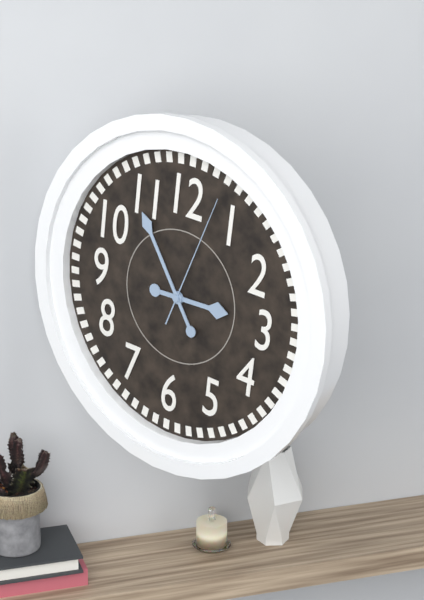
2:54:03
